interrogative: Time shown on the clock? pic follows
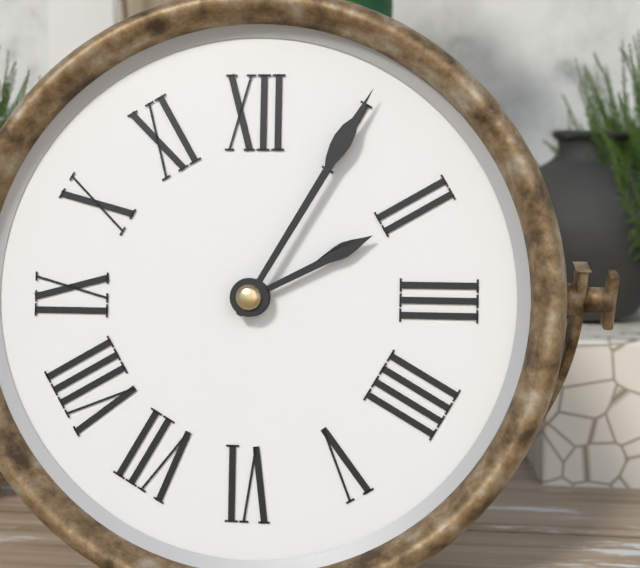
2:05
